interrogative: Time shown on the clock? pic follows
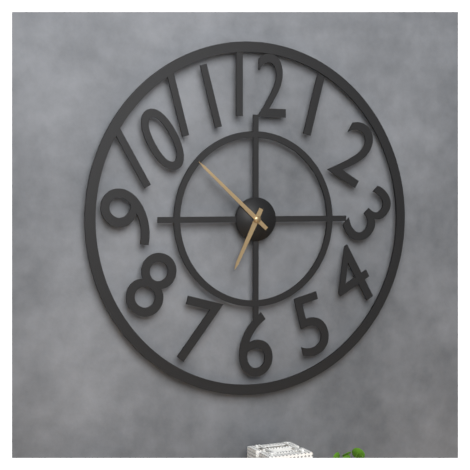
6:52
